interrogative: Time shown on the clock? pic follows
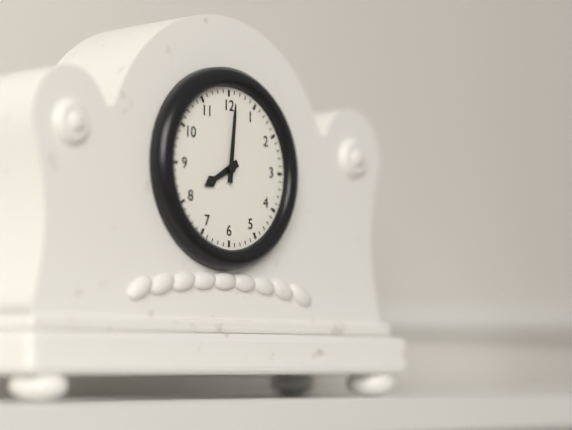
8:01
